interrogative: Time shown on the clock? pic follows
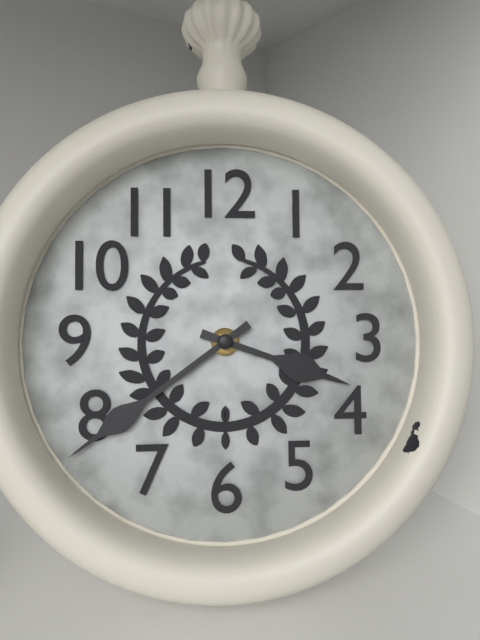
3:39
